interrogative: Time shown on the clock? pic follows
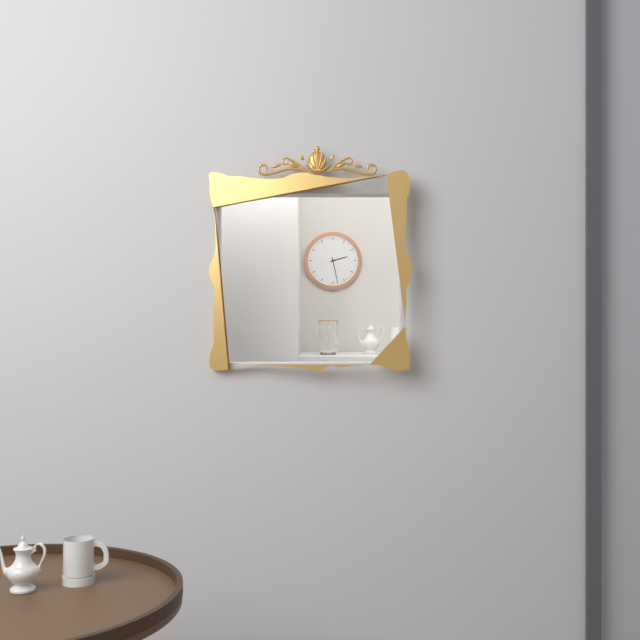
2:28
